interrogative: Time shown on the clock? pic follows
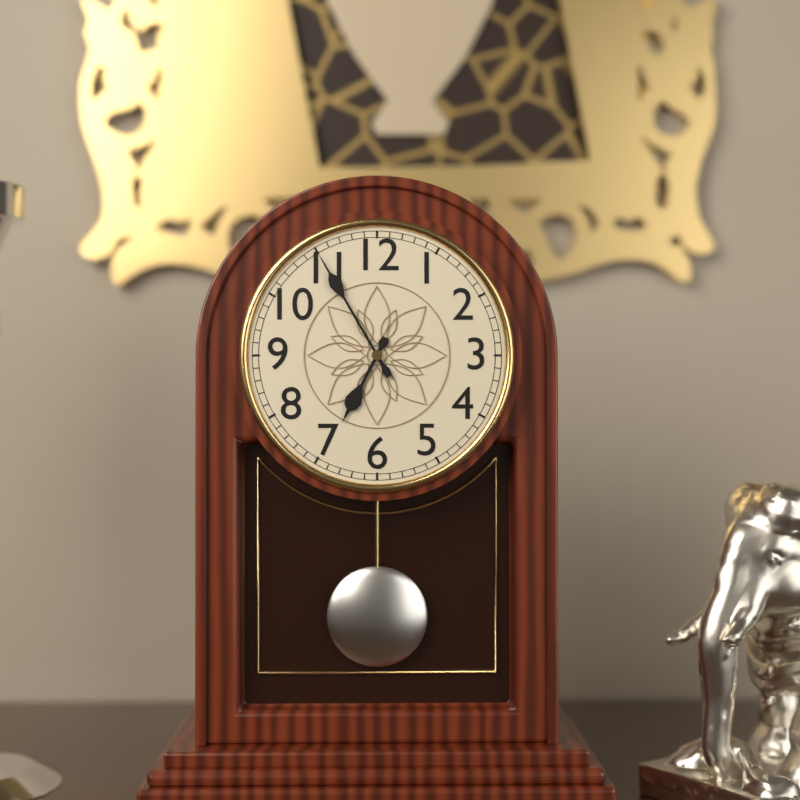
6:55
